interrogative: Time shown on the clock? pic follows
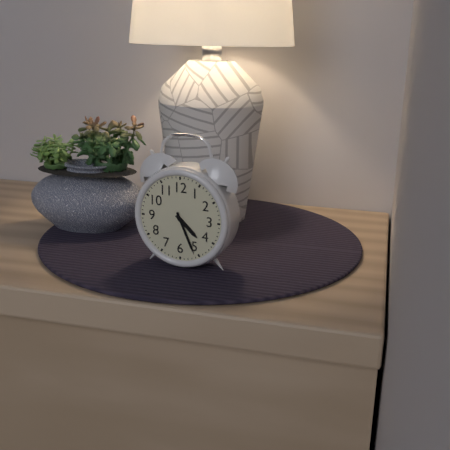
4:26
